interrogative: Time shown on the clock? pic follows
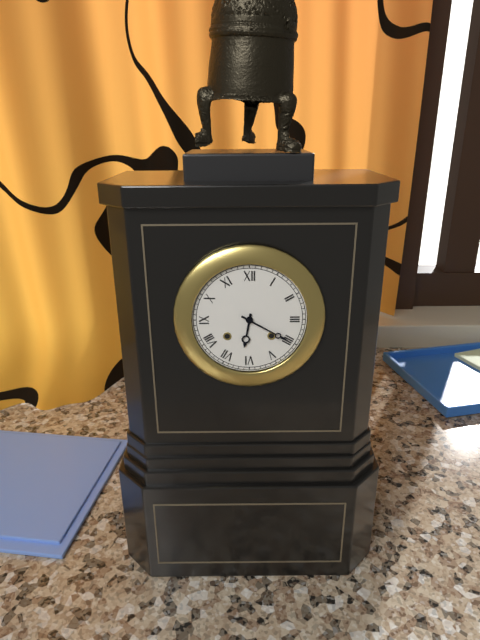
6:20
